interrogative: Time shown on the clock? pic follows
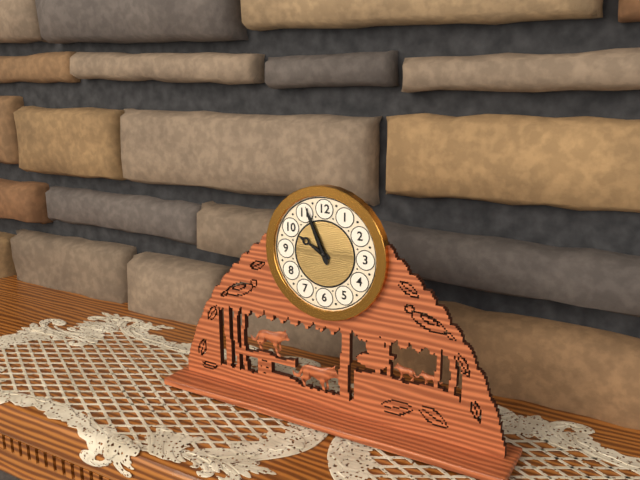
9:56
